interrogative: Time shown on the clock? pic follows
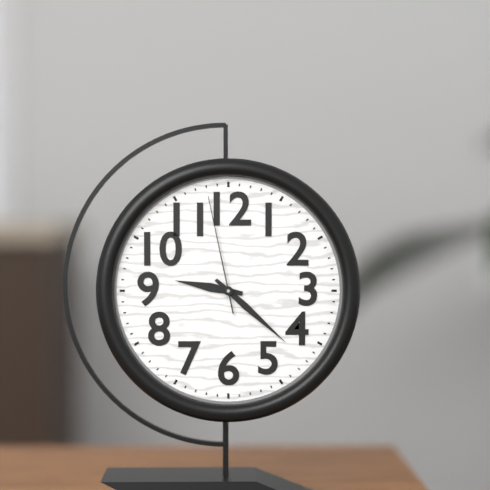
9:22:58
